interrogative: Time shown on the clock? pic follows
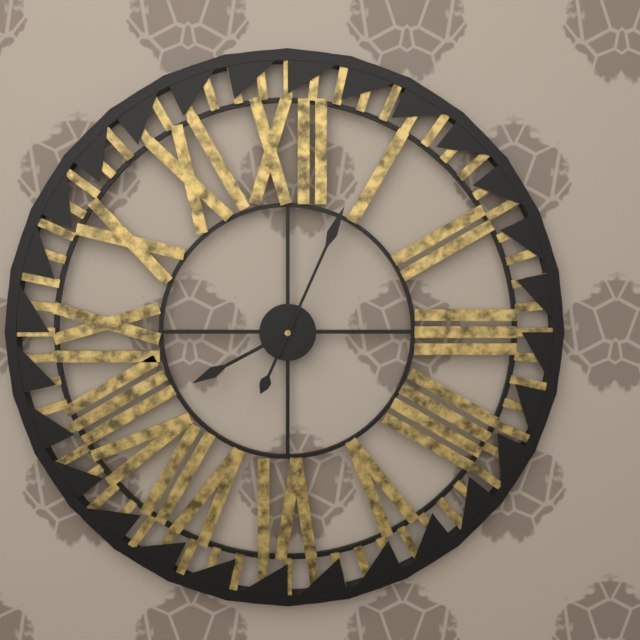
8:04
